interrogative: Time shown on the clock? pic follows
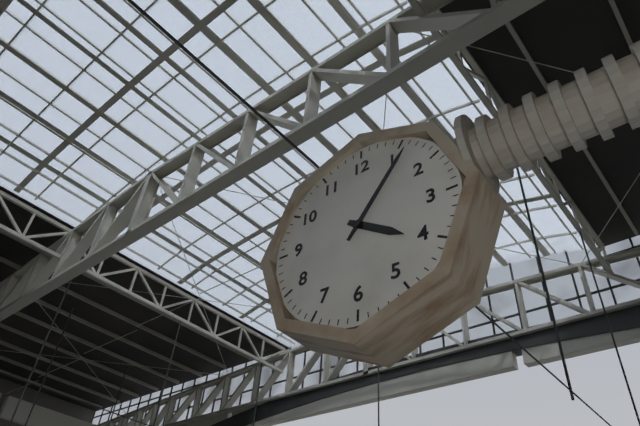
4:06
